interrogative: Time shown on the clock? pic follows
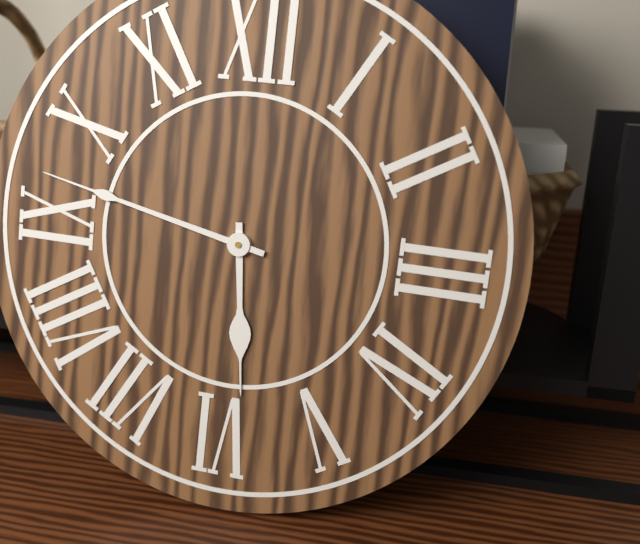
5:47
